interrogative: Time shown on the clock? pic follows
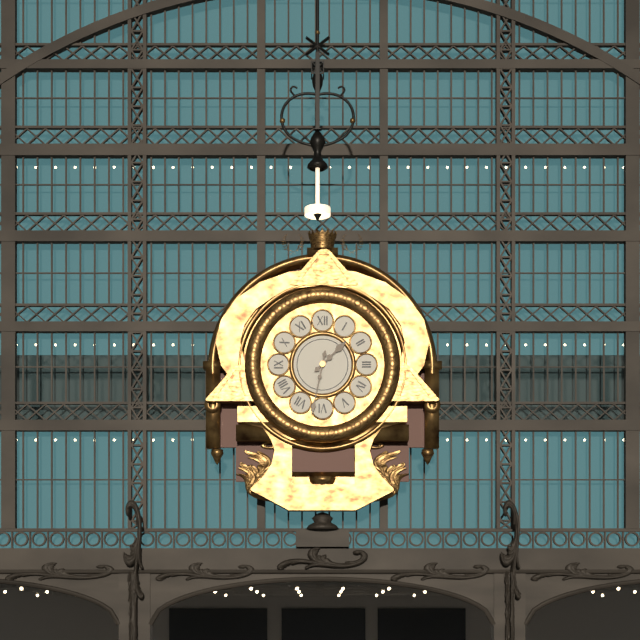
1:32
